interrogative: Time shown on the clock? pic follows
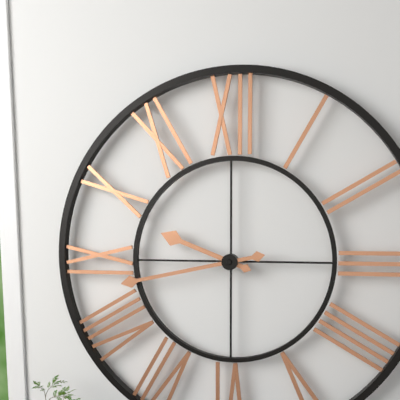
9:43
